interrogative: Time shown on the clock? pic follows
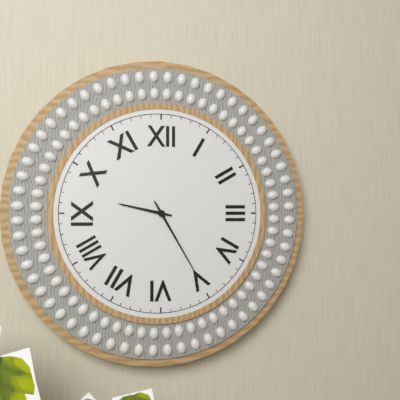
9:25
